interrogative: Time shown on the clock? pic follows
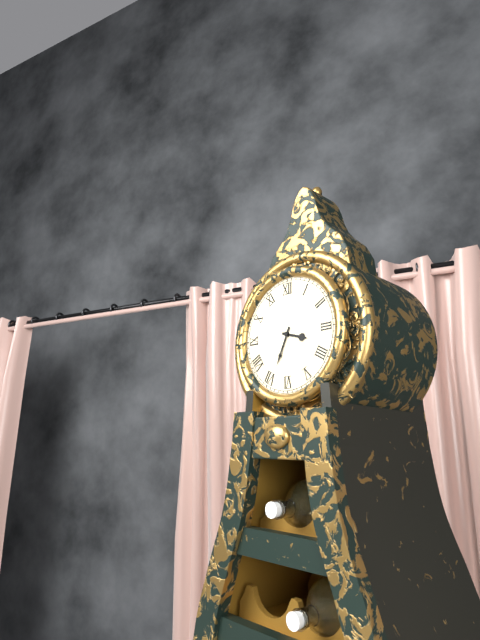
3:34
